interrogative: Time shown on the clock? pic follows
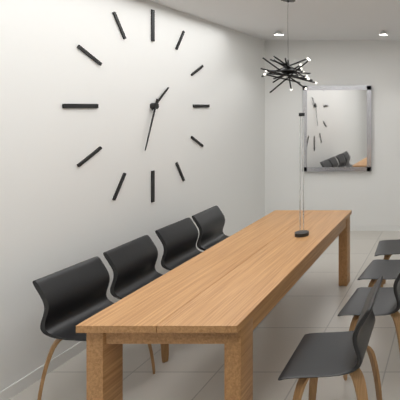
1:33
